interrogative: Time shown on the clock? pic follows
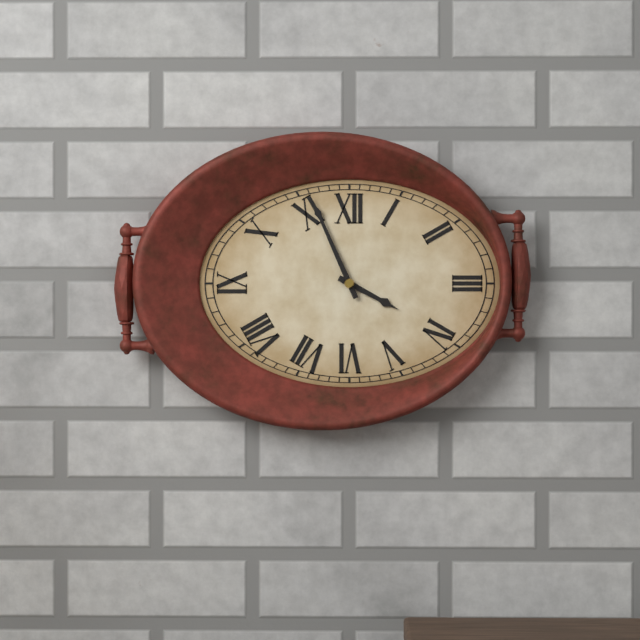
3:56
